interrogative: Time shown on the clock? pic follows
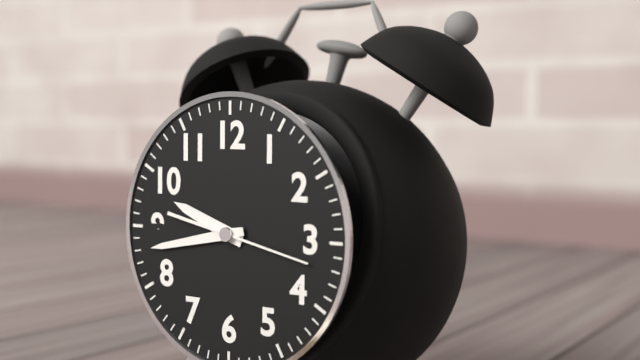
9:43:17
